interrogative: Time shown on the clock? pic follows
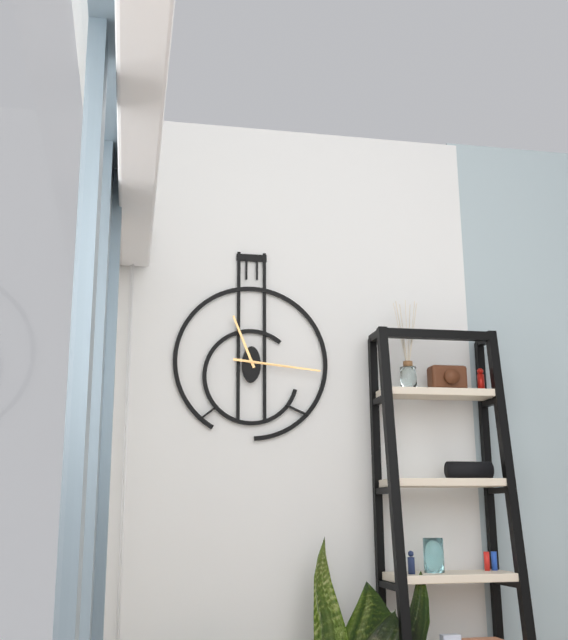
11:16:16
